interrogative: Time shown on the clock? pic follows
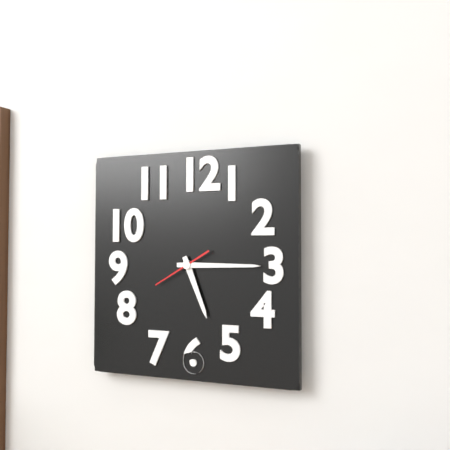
5:15:40
